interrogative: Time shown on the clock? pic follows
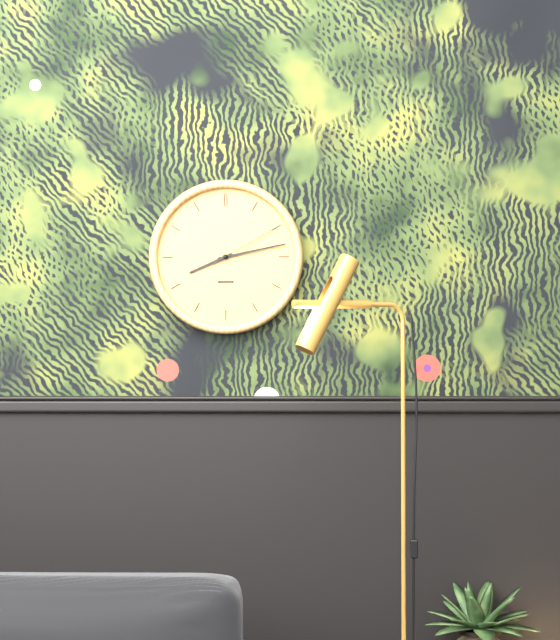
8:13:10
